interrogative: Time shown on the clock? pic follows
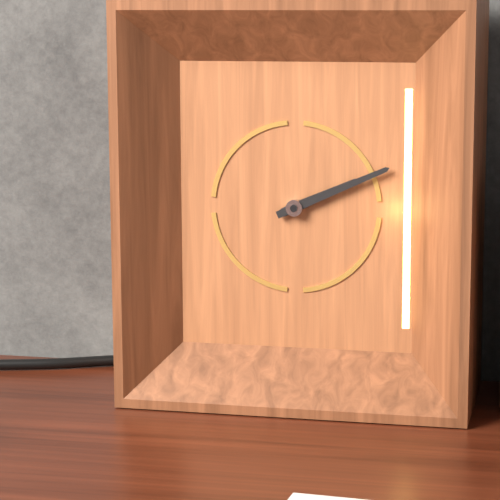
2:11
